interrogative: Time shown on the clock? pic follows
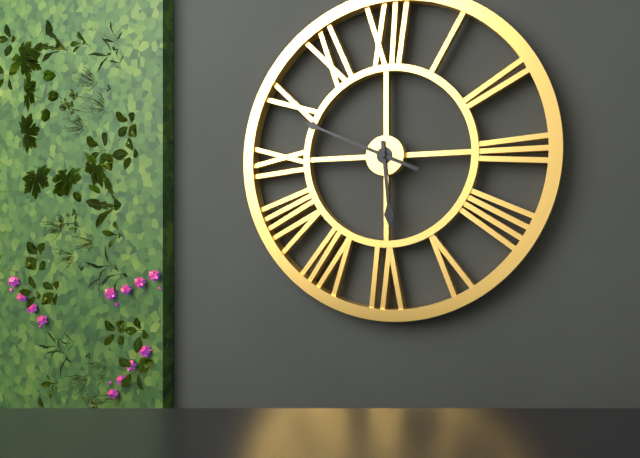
5:49
